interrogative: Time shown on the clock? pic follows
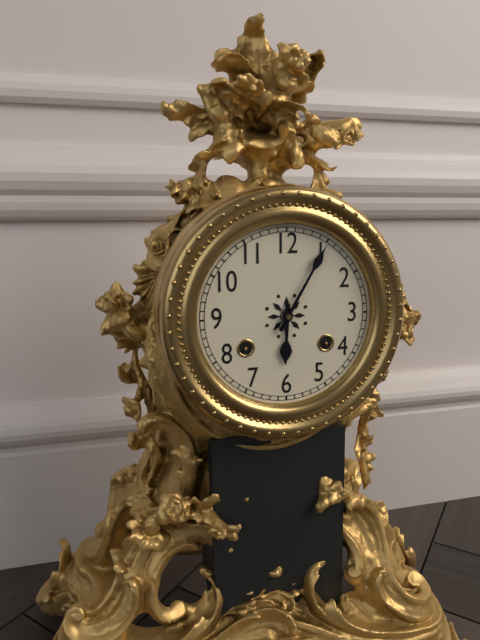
6:05
